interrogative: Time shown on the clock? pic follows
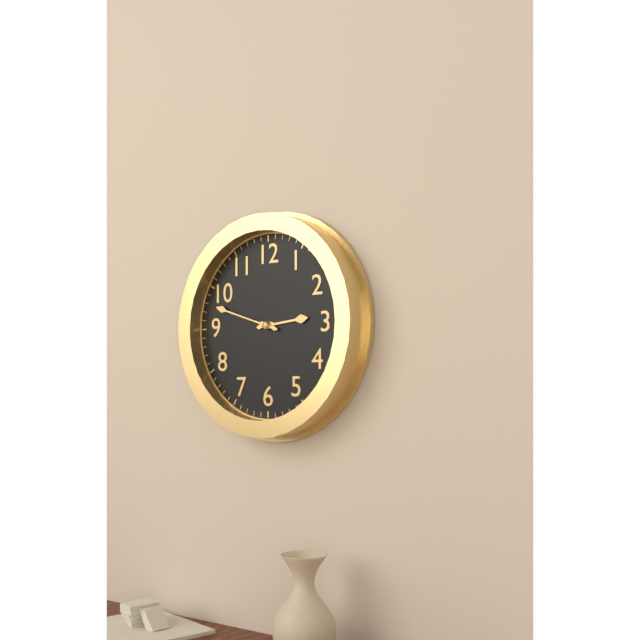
2:48
